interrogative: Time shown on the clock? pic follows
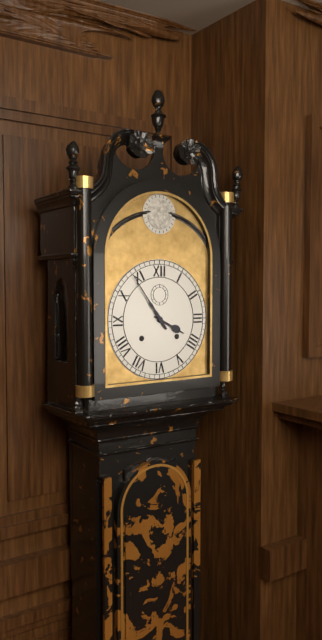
3:54
